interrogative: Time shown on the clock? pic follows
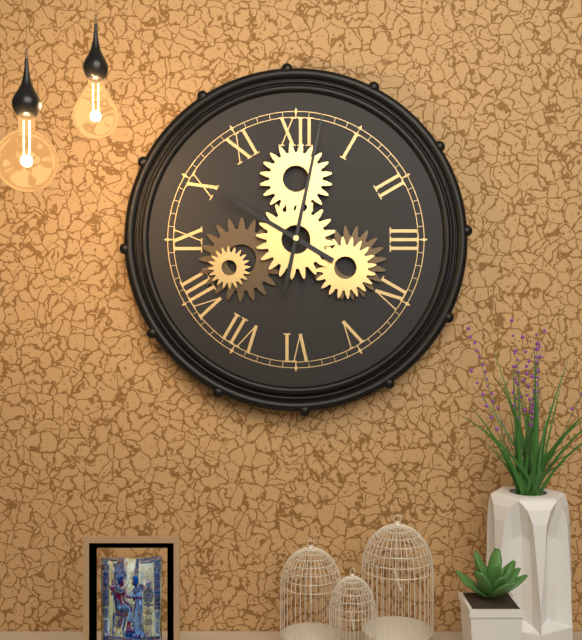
10:02
